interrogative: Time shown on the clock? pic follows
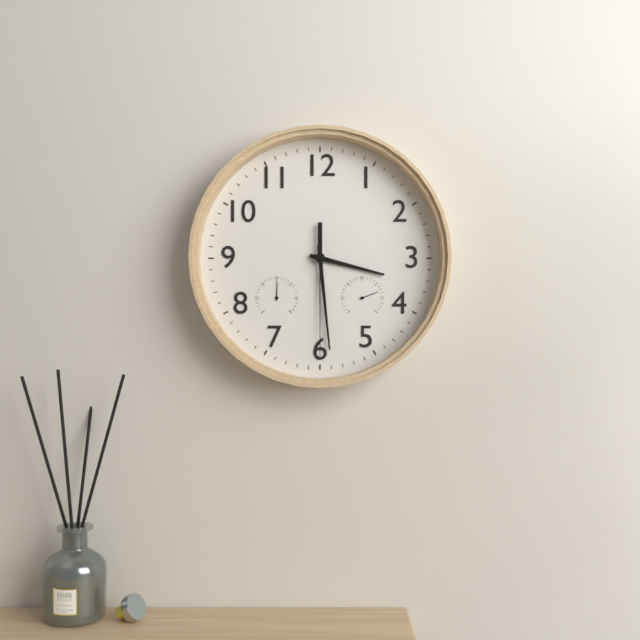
3:29:30
